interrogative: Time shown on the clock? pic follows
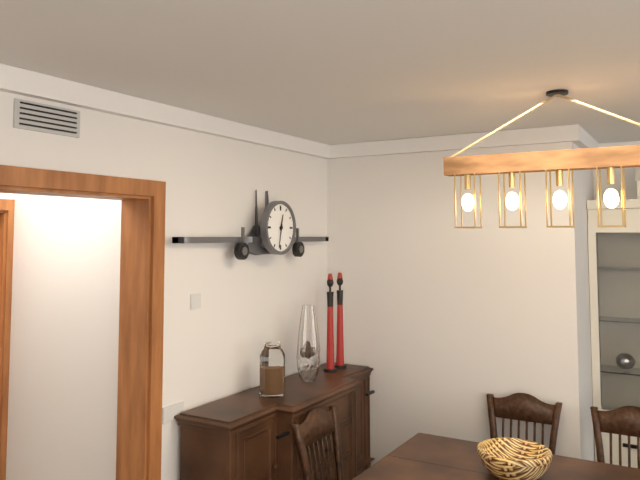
12:32
